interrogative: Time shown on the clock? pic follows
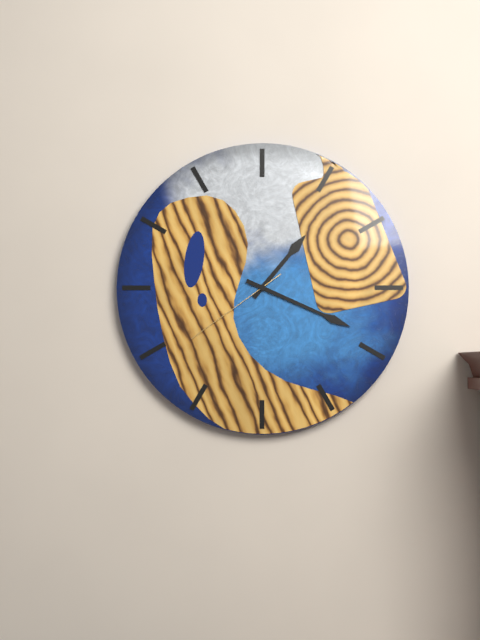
1:19:39
